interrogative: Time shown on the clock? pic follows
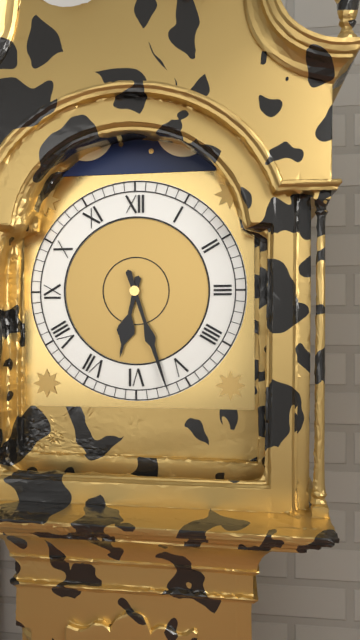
6:27
